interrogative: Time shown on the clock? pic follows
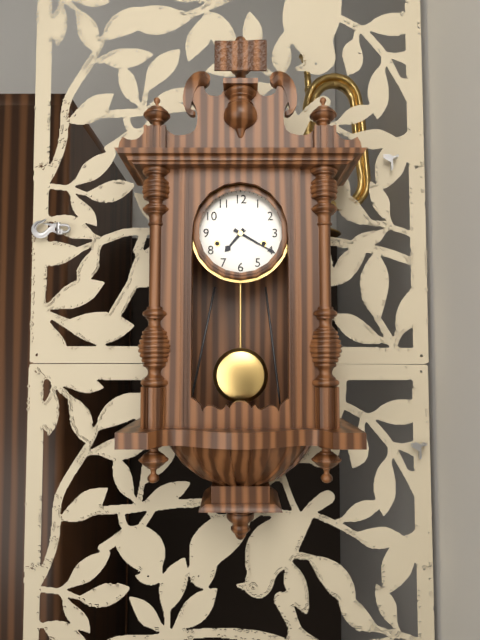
7:20
